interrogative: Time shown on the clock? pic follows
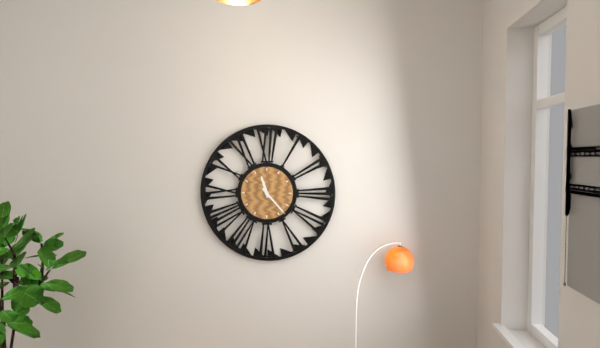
11:23
